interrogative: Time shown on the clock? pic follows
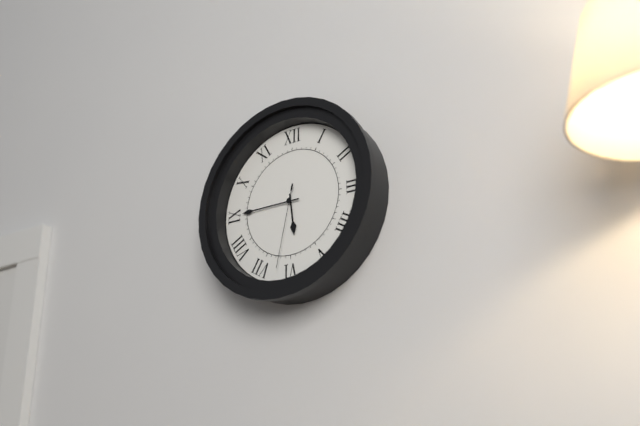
5:45:32
